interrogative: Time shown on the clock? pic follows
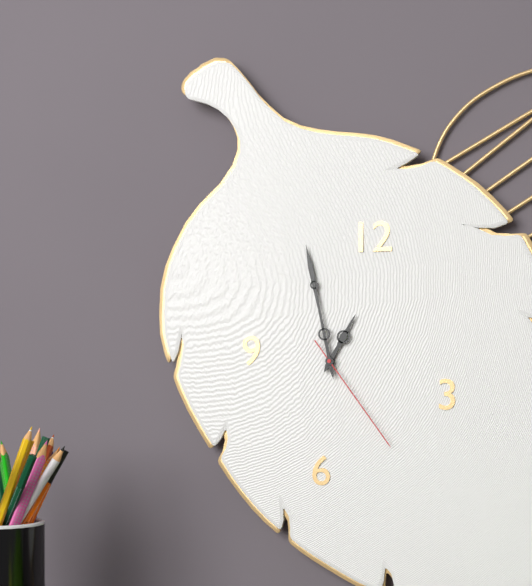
12:58:24
